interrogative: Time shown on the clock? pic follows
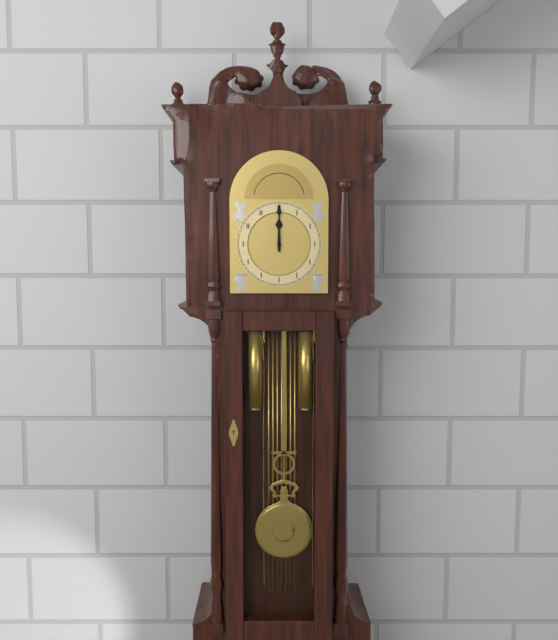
12:00
